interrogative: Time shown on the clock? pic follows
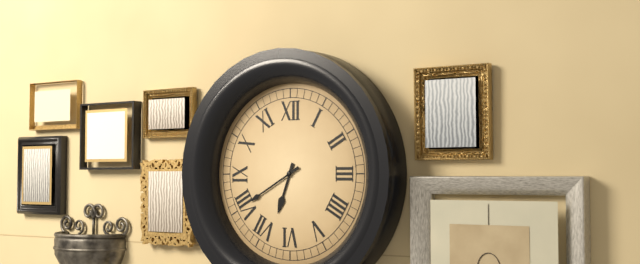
6:40
